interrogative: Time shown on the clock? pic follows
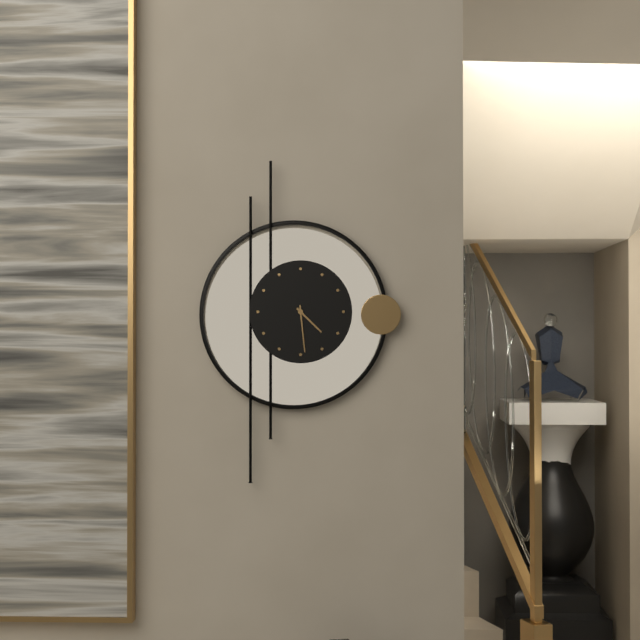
4:29
